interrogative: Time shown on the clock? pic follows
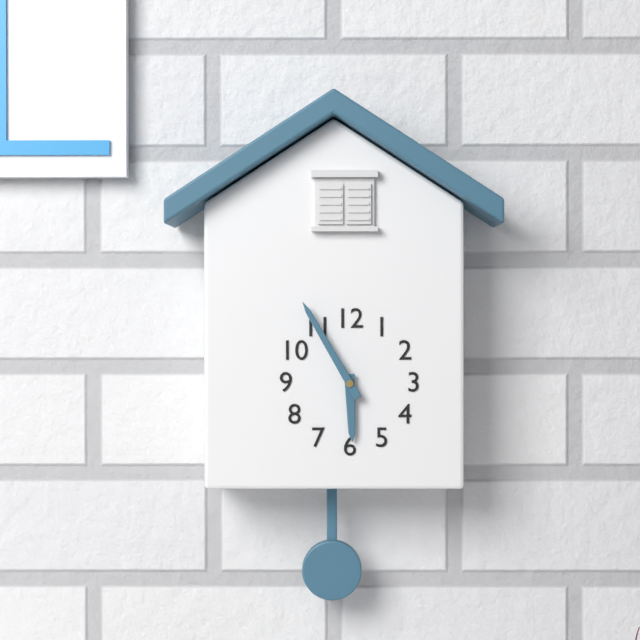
5:55
